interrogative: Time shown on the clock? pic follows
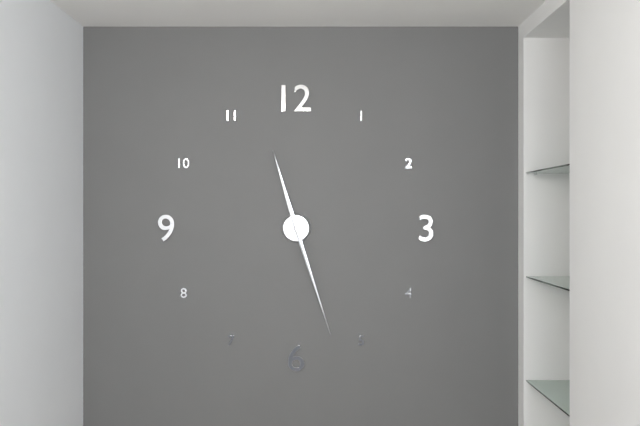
11:27
